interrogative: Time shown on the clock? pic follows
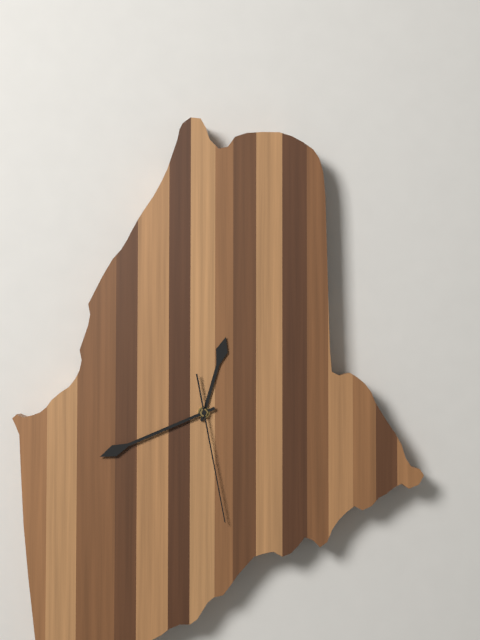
12:42:29
